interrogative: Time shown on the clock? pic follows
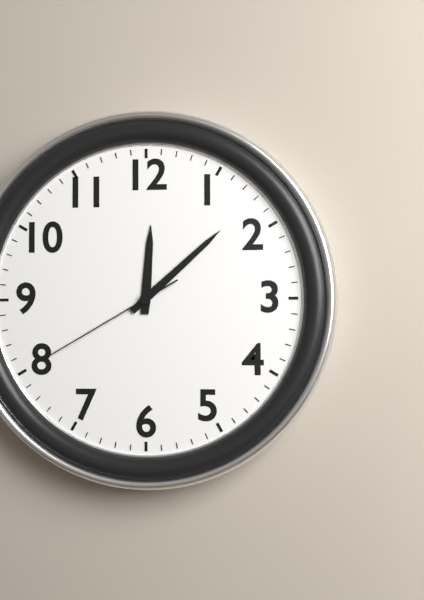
12:08:40
